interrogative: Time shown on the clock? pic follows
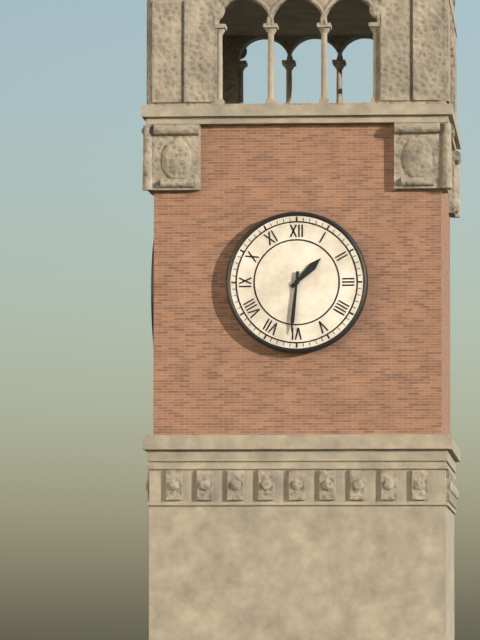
1:31
